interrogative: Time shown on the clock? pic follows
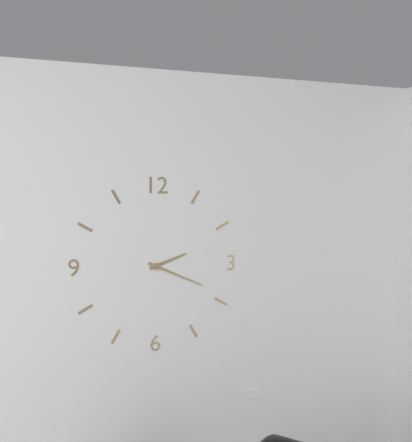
2:19
